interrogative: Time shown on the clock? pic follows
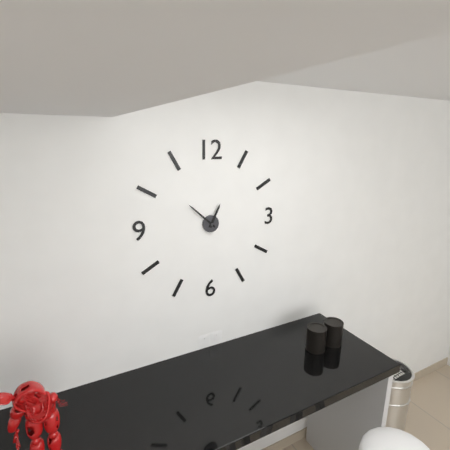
12:52
